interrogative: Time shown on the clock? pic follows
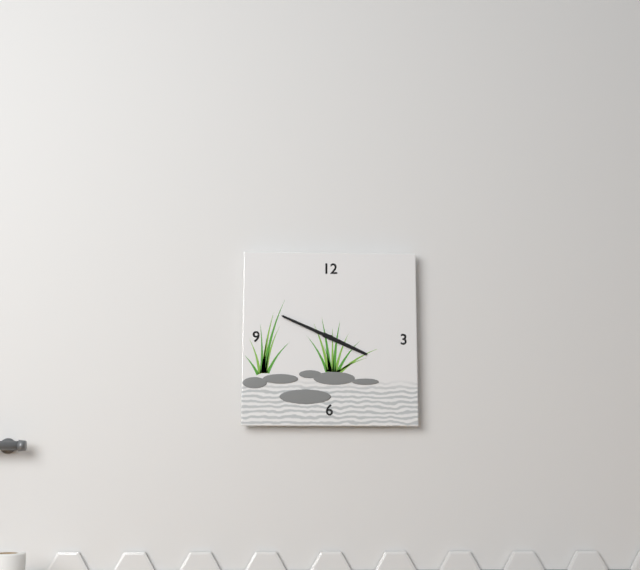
3:49
